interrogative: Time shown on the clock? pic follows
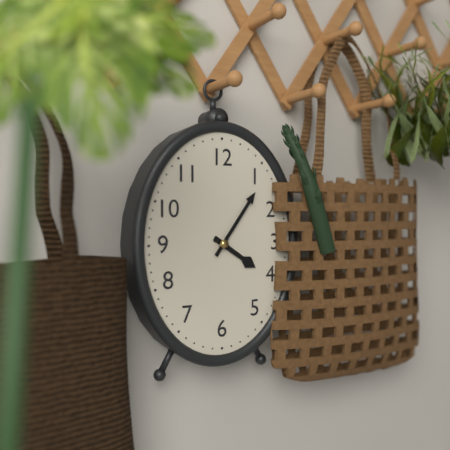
4:06
